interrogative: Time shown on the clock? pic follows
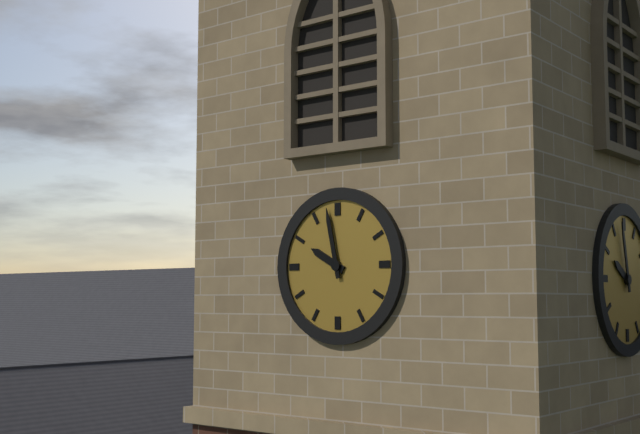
9:58
